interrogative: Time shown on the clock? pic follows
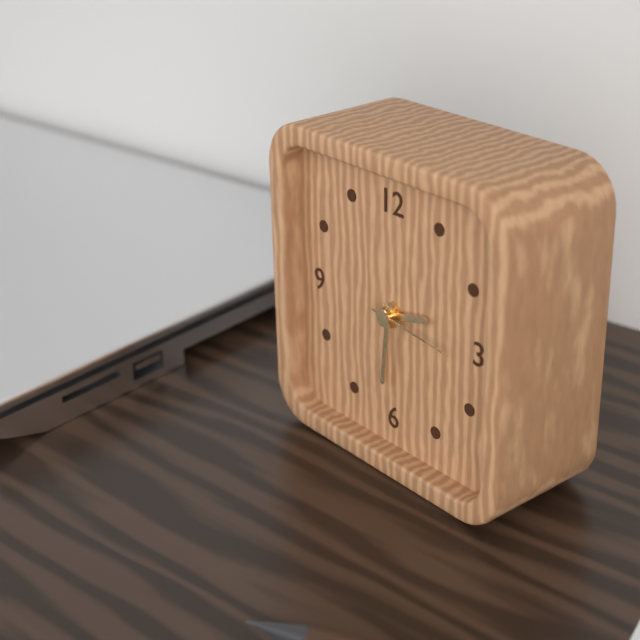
2:31:16
